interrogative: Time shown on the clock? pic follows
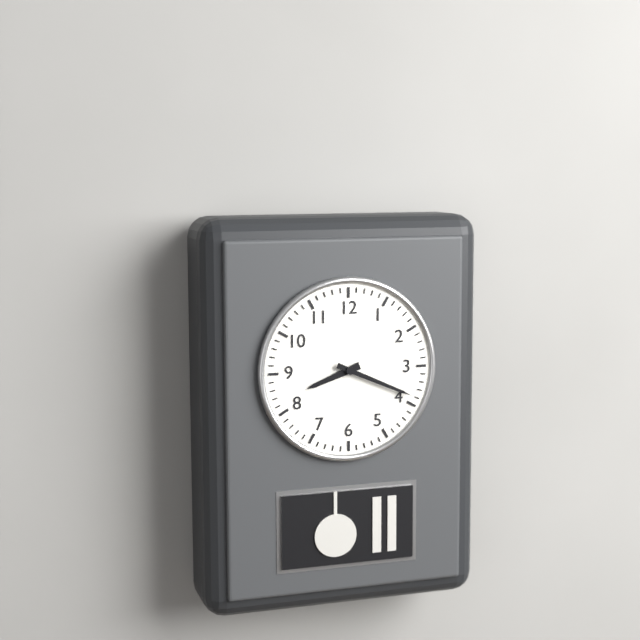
8:19
